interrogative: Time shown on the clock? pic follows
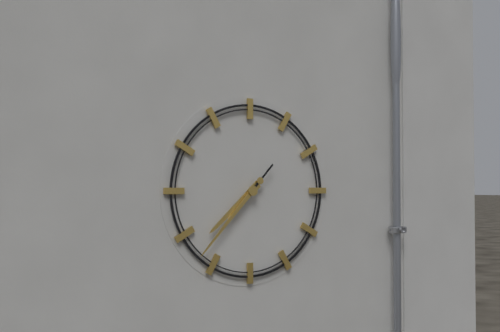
7:37
